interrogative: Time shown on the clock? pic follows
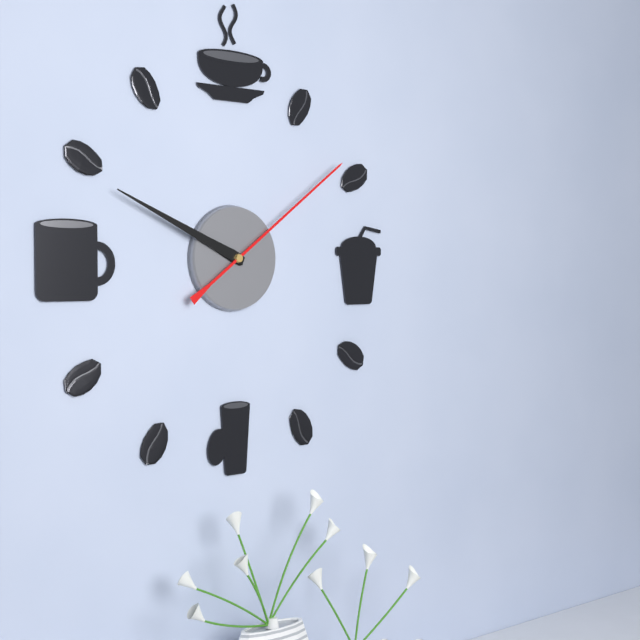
9:49:09
